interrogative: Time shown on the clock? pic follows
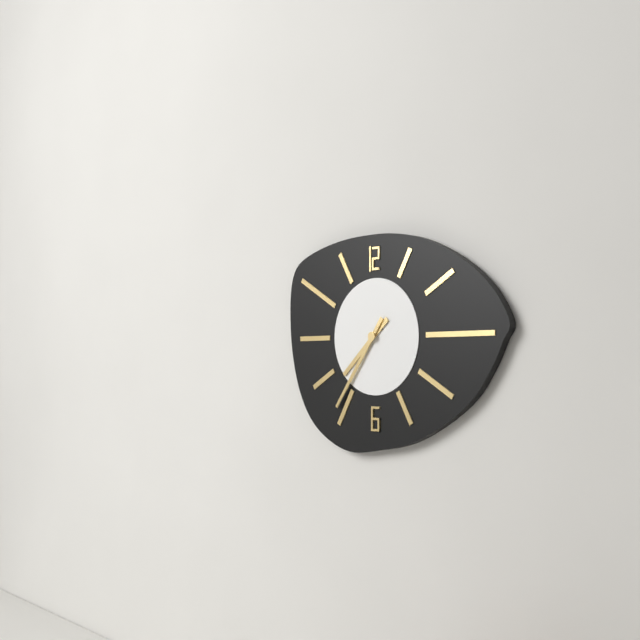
7:36
